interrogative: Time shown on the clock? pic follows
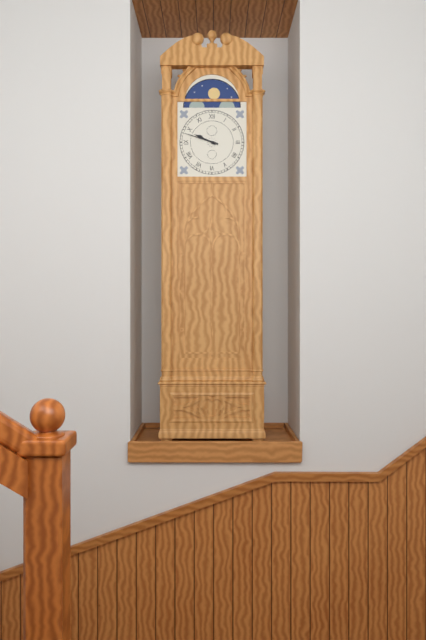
9:48
